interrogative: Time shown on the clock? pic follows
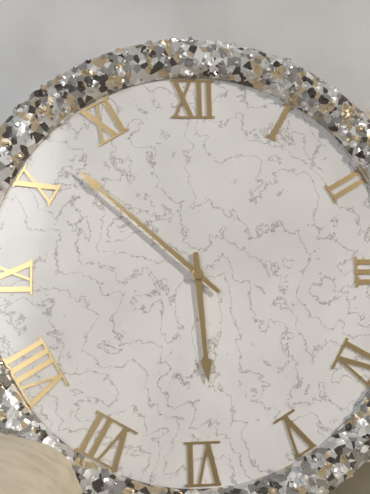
5:52
